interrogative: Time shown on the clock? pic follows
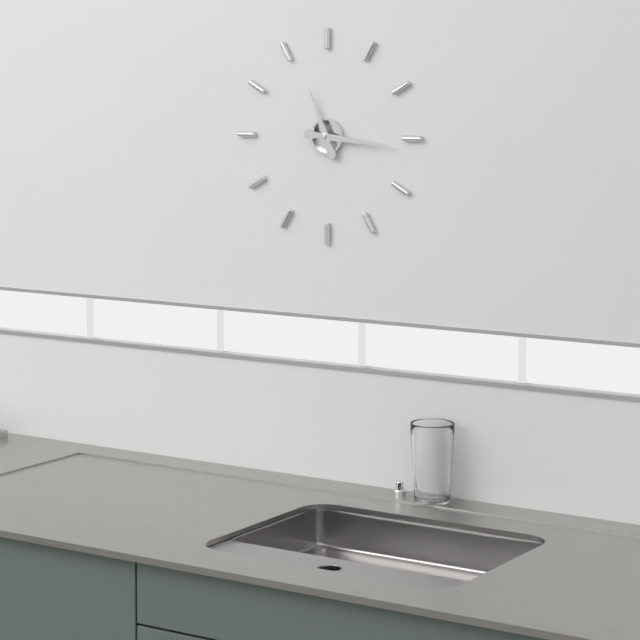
11:16
